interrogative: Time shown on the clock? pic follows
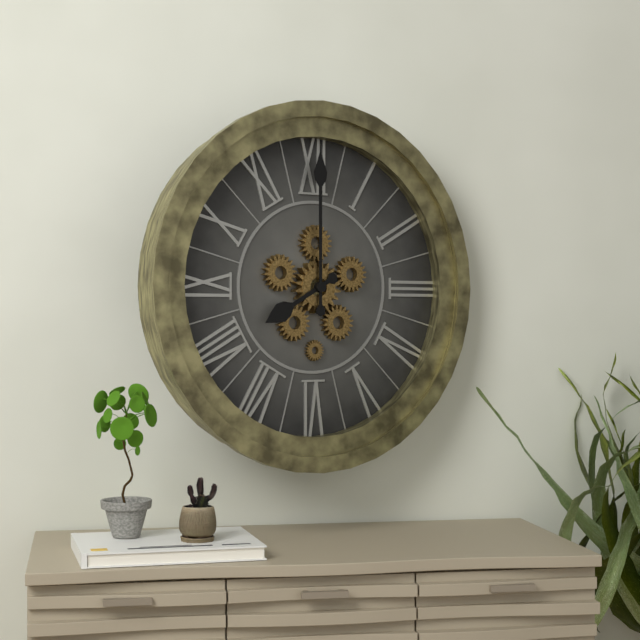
8:00
